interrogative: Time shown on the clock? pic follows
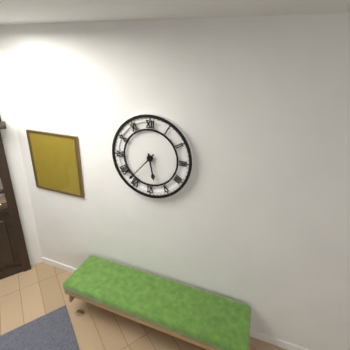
5:37
